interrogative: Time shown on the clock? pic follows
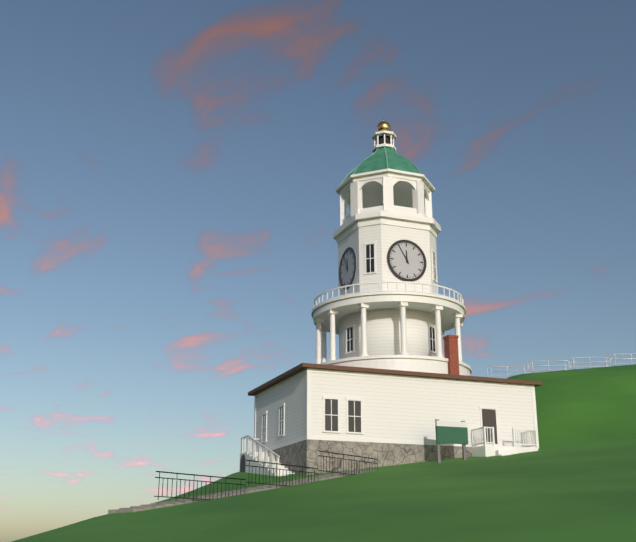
11:55
